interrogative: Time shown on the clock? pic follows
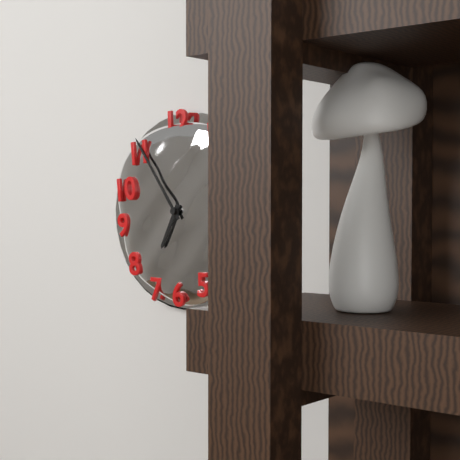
6:54
